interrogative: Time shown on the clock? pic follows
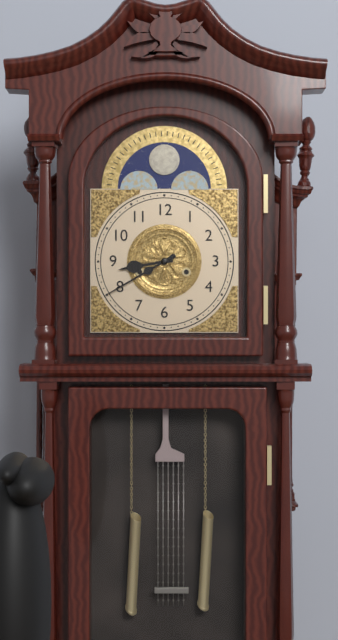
8:40
